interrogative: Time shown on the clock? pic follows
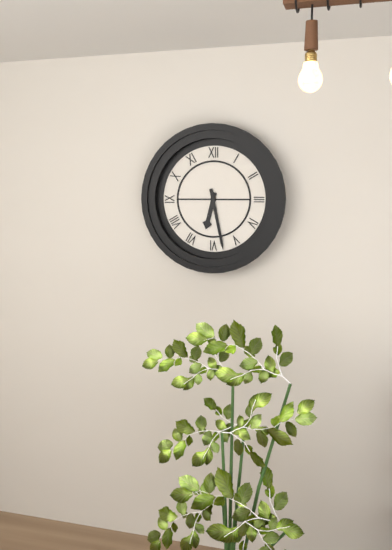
6:28
